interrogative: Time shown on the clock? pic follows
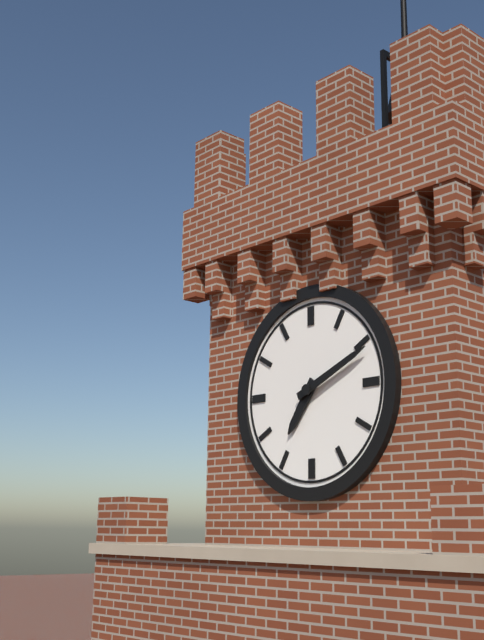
7:11
